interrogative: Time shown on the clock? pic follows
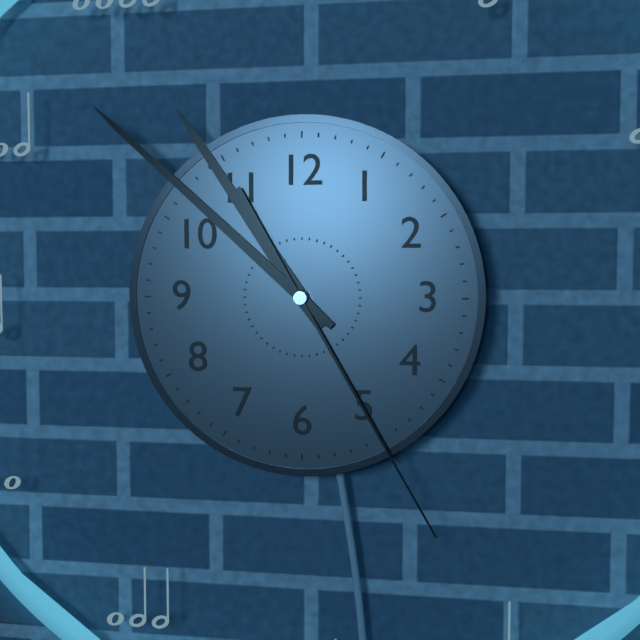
10:52:25
